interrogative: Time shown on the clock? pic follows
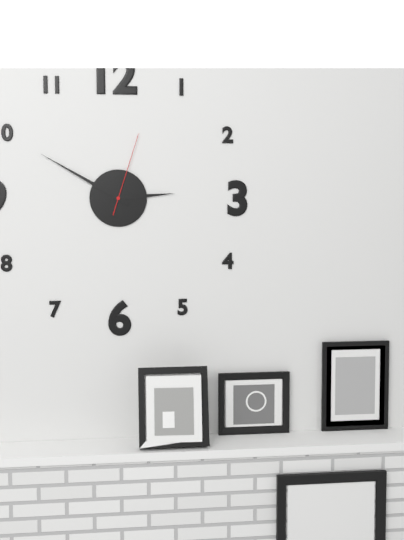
2:50:03
